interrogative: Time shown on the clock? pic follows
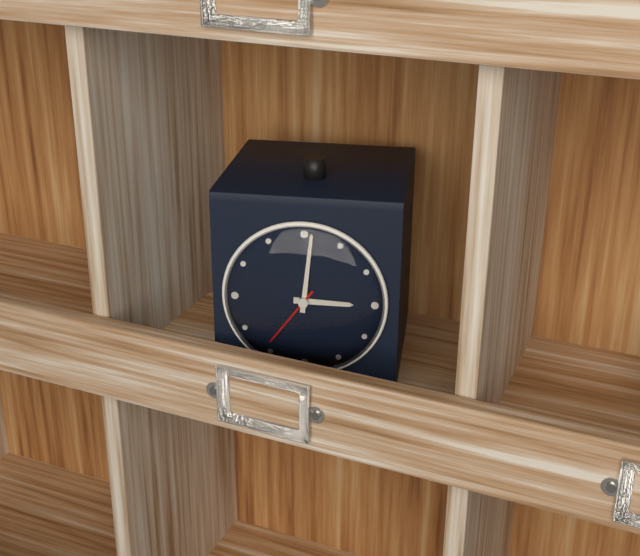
3:01:36
